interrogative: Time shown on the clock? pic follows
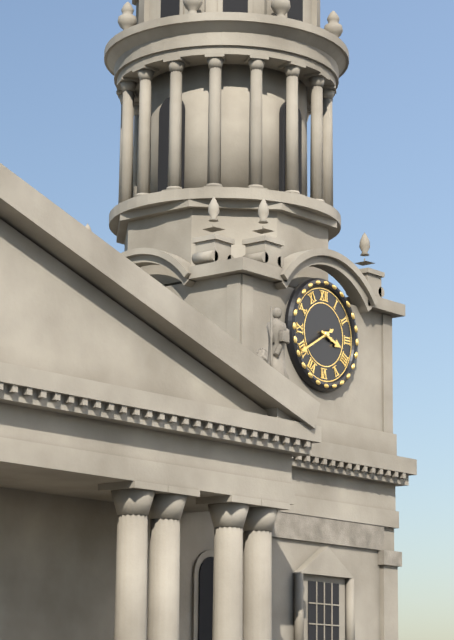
3:40
